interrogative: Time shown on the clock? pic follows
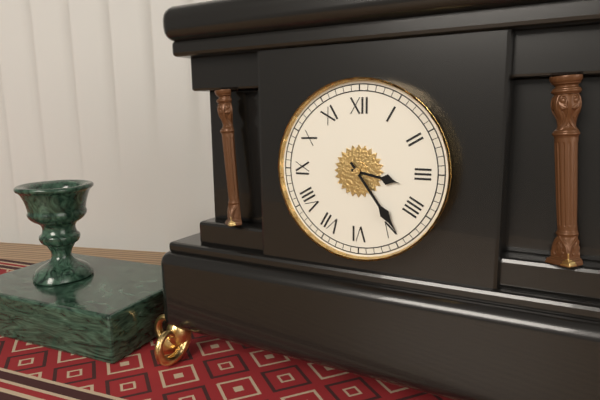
3:24
